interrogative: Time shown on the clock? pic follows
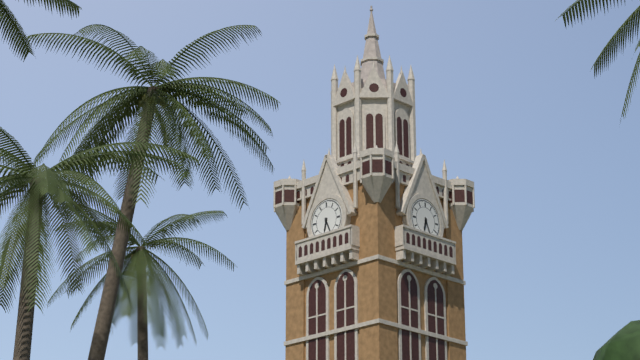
6:26
